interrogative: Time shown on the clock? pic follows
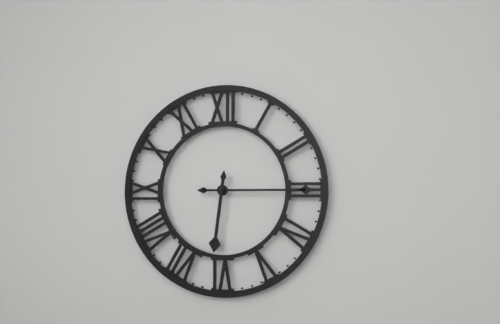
6:15
